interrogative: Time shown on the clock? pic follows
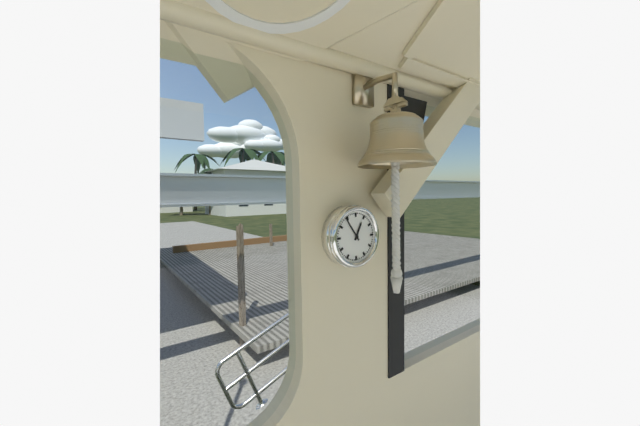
12:54
